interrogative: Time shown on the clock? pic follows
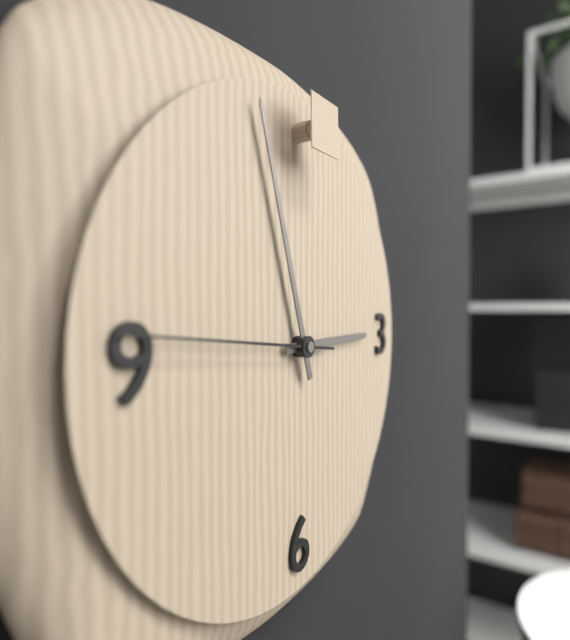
2:57:46
